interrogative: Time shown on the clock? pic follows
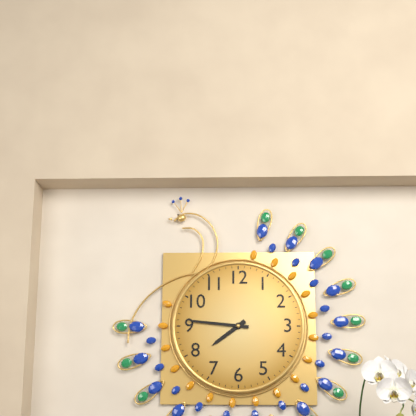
7:46
